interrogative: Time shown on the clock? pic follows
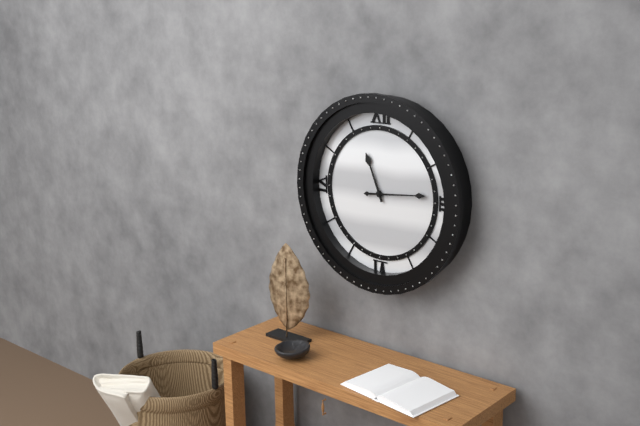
11:14
